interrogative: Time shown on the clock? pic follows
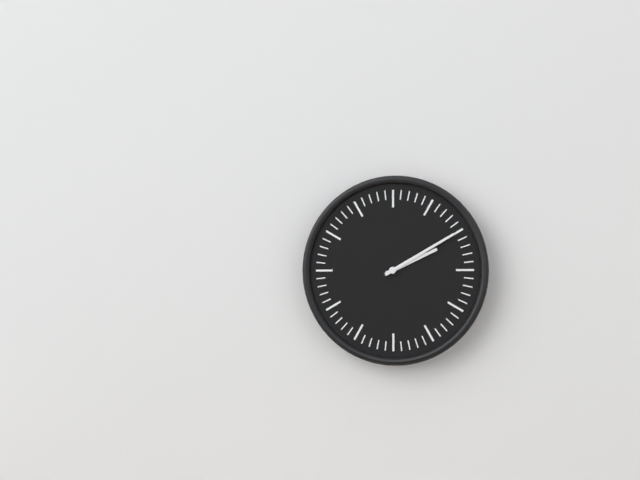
2:10
